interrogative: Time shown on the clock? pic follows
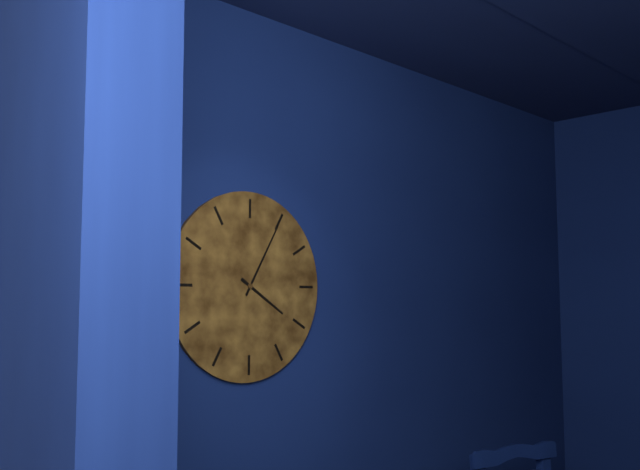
4:05
